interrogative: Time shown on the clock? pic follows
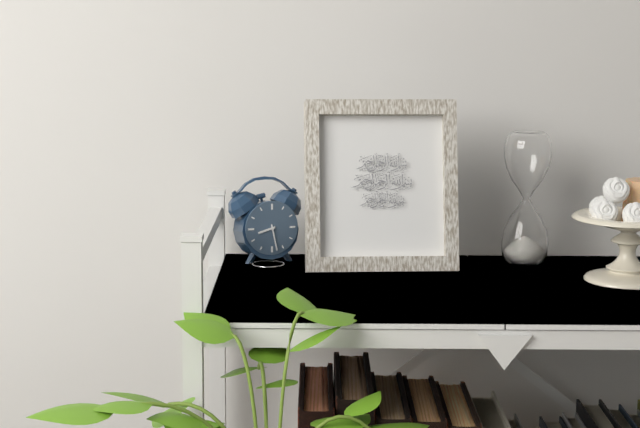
8:28
